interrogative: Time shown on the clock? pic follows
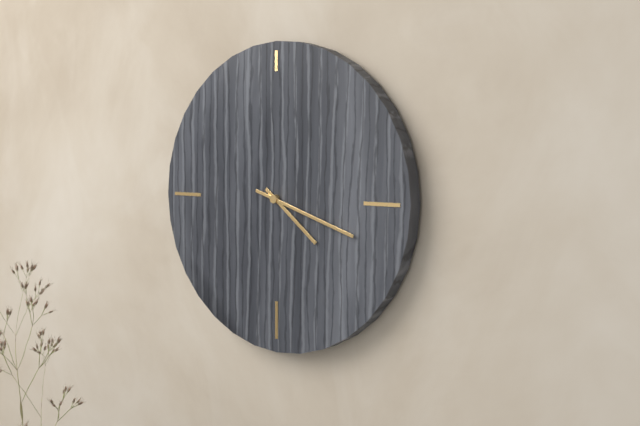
4:18
